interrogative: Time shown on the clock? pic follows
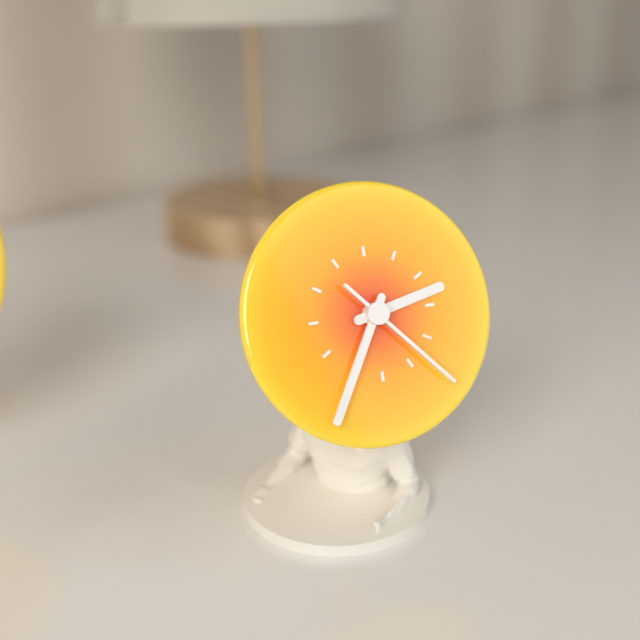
2:35:23
